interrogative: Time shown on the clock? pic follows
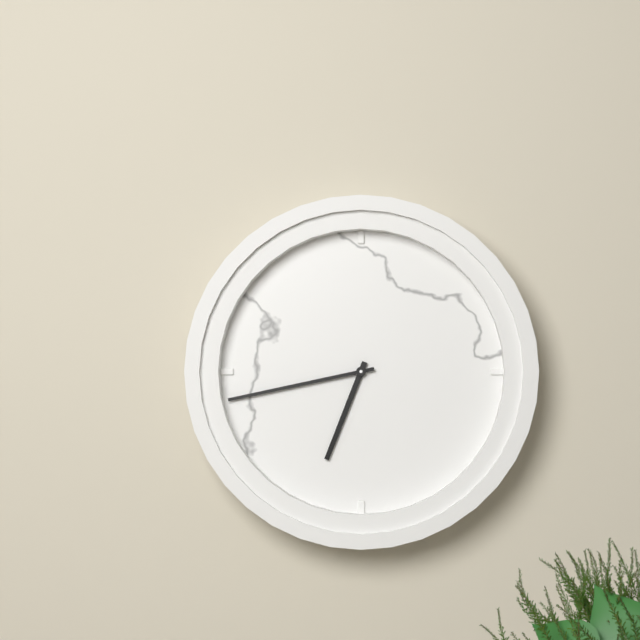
6:43
